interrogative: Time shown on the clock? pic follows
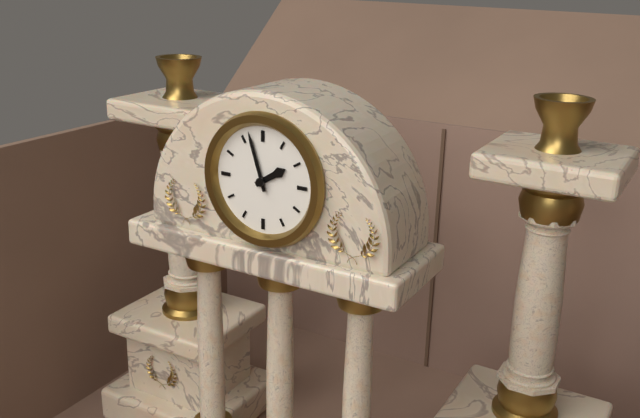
1:57
